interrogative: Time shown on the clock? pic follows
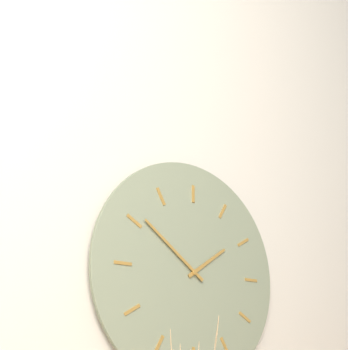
1:51
